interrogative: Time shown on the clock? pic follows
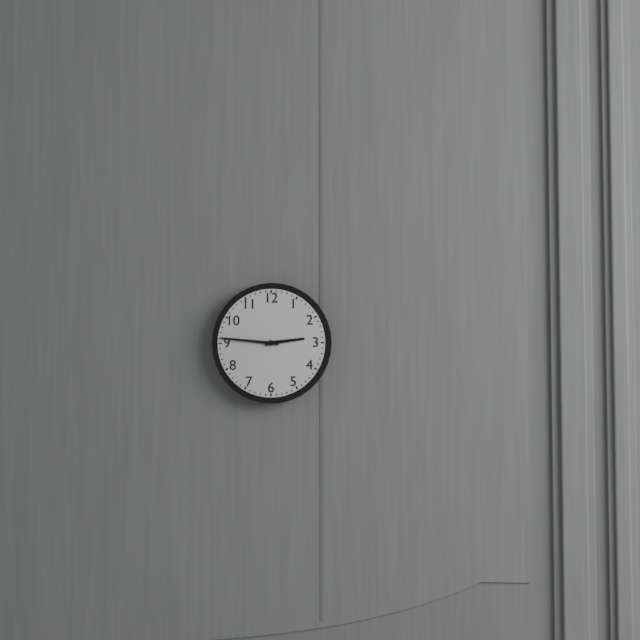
2:46
